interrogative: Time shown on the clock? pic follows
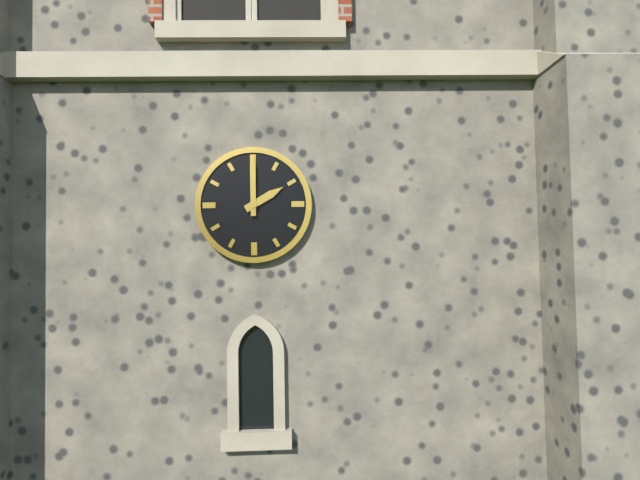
2:00
